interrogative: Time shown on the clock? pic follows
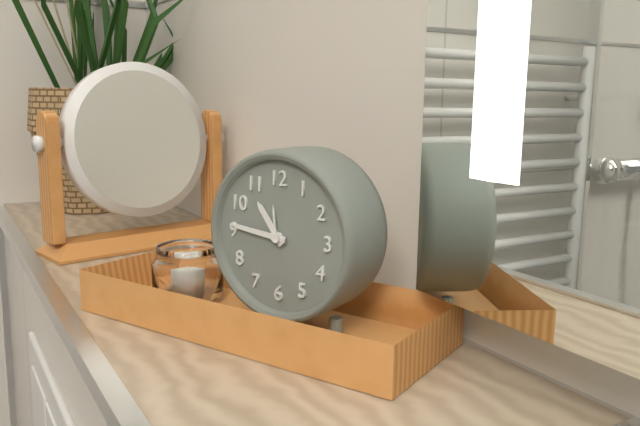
10:46
